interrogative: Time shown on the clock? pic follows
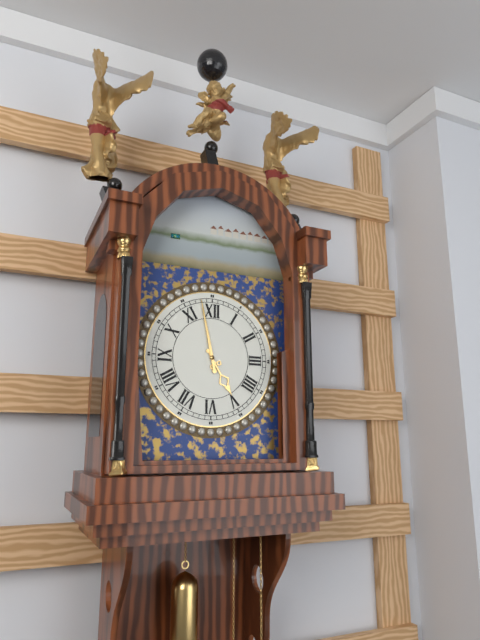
4:58
